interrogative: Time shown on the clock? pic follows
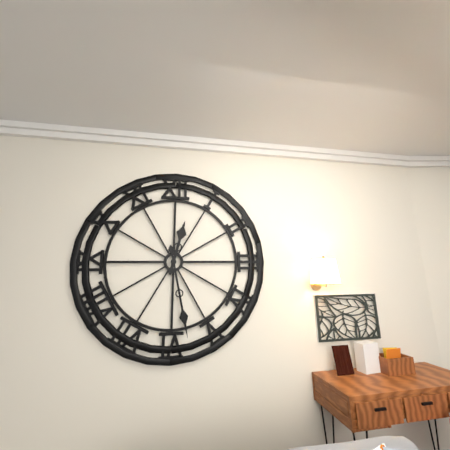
12:28
